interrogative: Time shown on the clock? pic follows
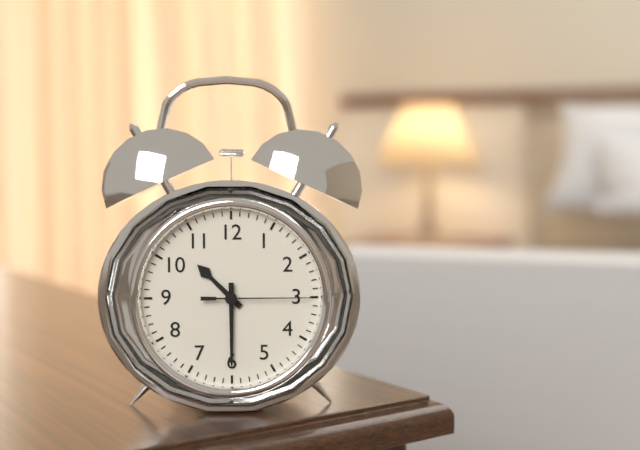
10:30:15
